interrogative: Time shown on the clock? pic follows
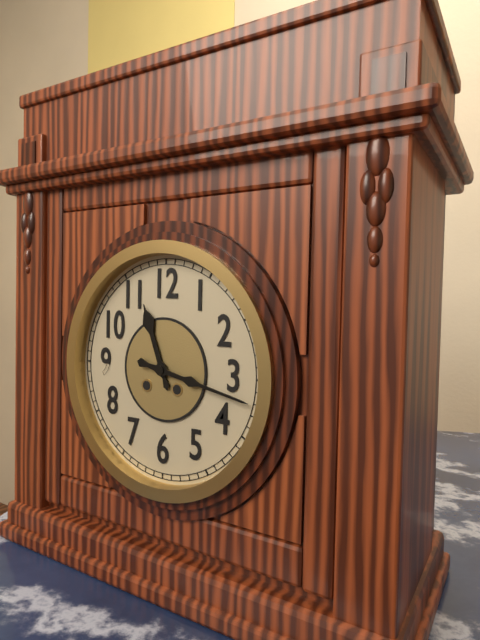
11:17
